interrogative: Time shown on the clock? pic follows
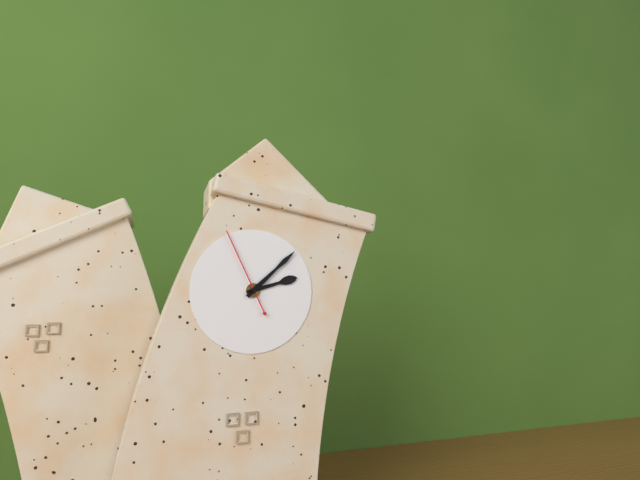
2:06:54
